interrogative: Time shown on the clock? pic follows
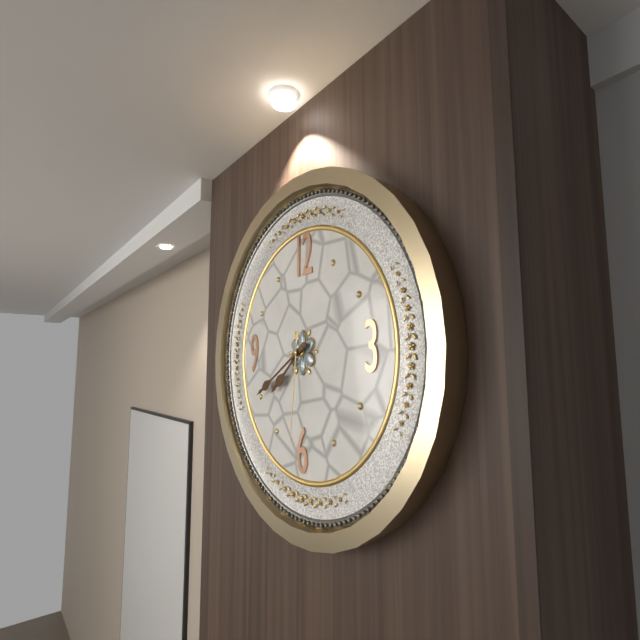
7:40:31
